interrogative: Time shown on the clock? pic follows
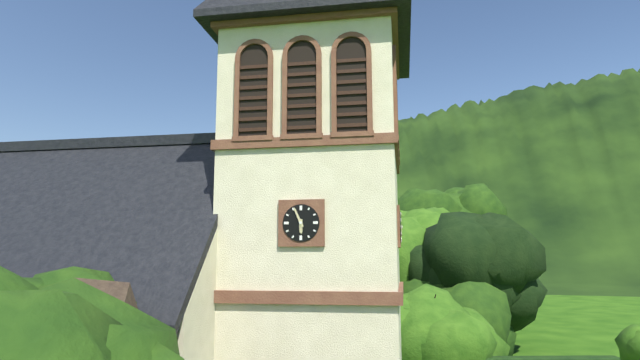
5:56
